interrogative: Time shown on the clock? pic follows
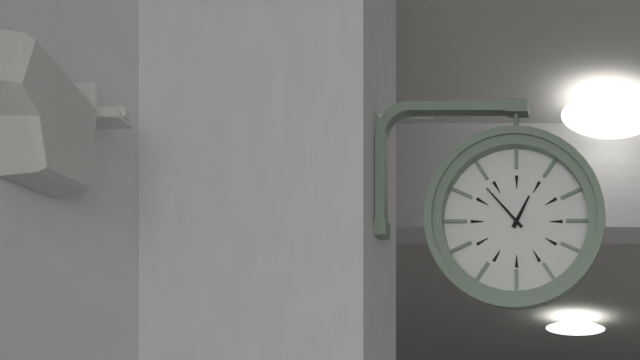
12:53
